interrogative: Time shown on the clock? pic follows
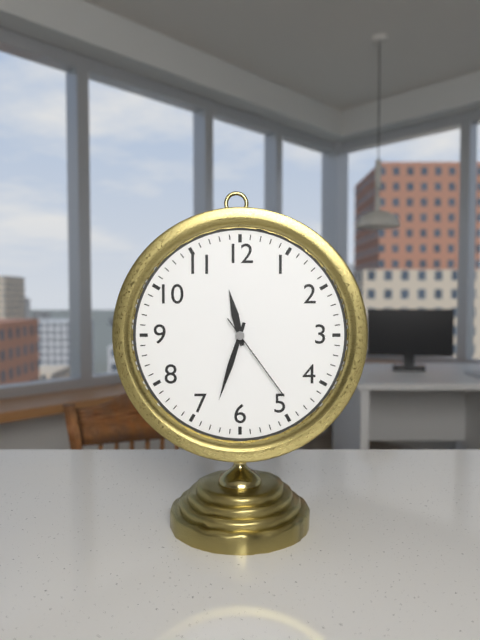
11:33:24
